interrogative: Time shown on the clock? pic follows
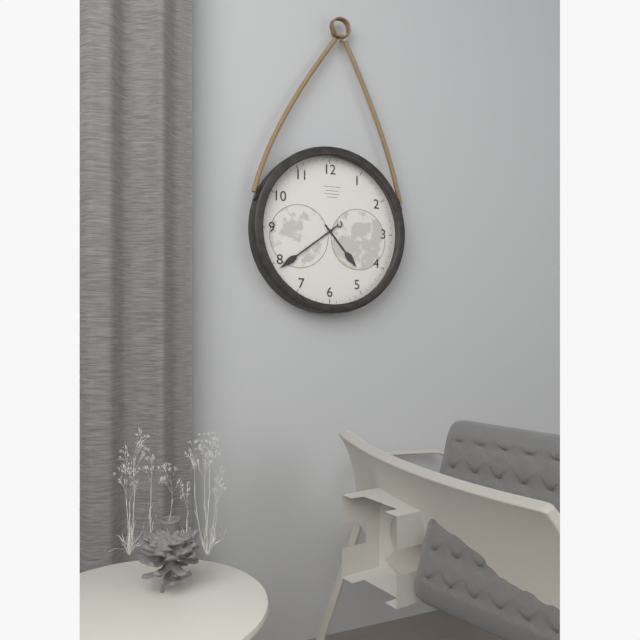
4:39
